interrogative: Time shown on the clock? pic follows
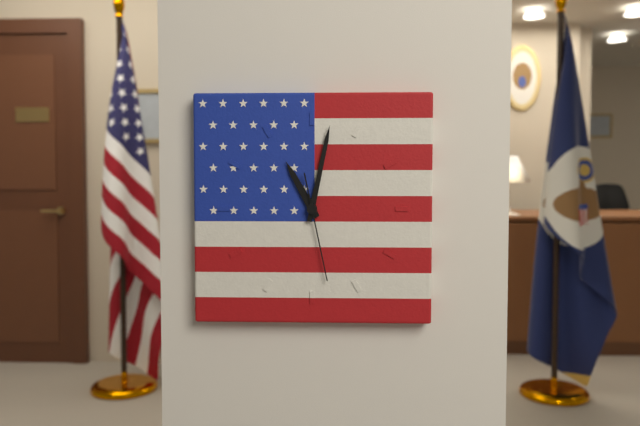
11:02:28
